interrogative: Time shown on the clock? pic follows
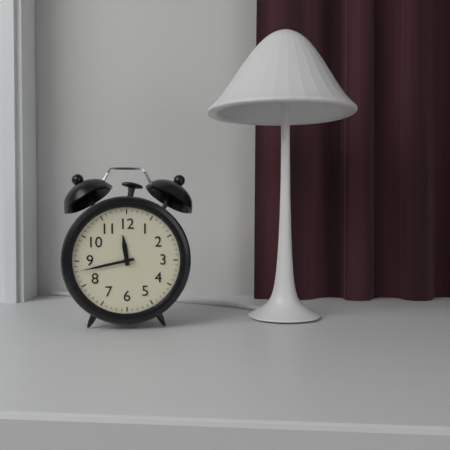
11:43
